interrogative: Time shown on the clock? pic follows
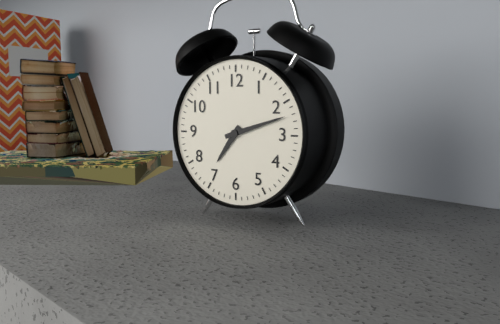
7:12
